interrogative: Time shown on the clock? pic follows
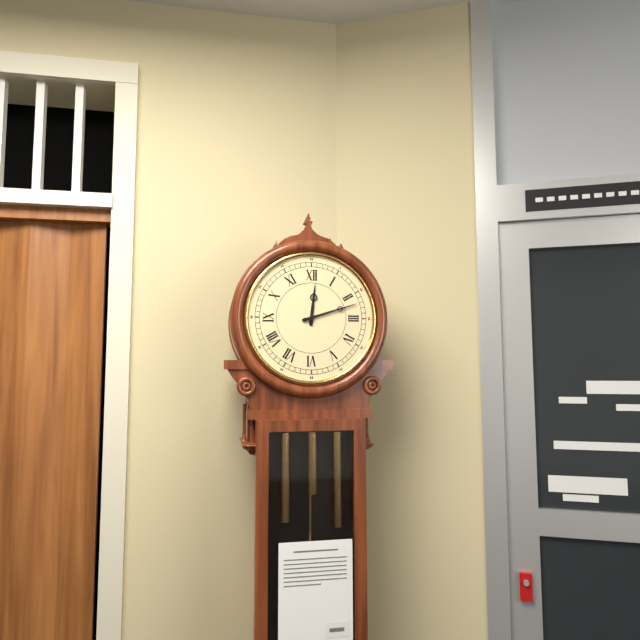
12:12
